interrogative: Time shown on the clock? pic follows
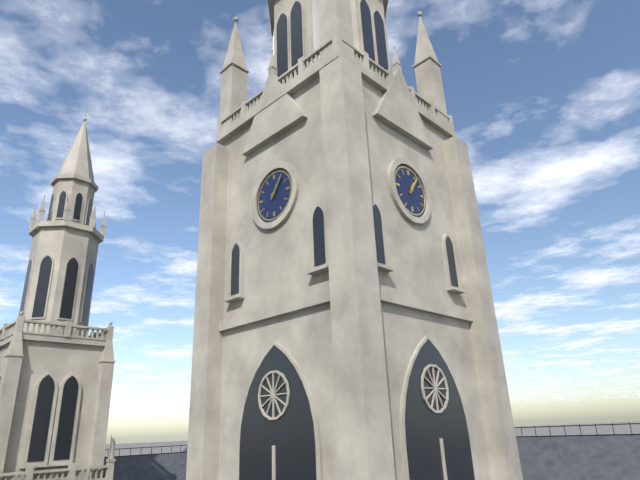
1:06
